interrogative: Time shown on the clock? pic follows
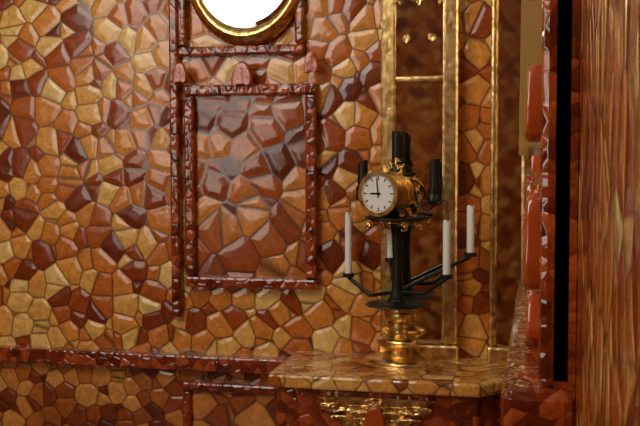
8:59
